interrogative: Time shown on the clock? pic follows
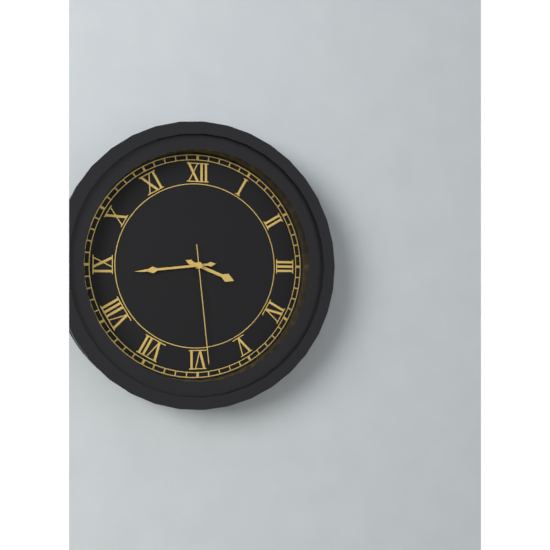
3:44:29
